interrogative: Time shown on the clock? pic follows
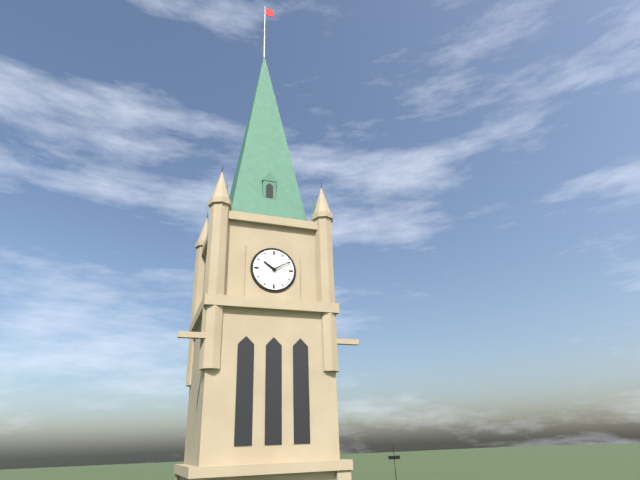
10:10
